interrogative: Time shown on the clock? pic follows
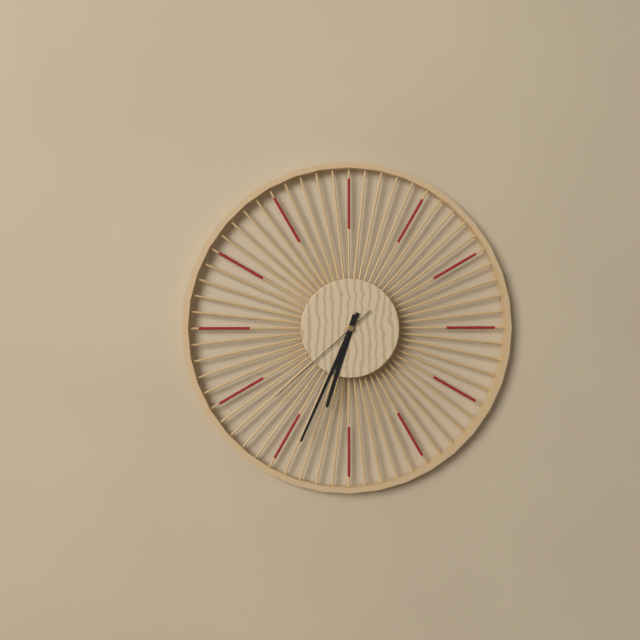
6:34:38
